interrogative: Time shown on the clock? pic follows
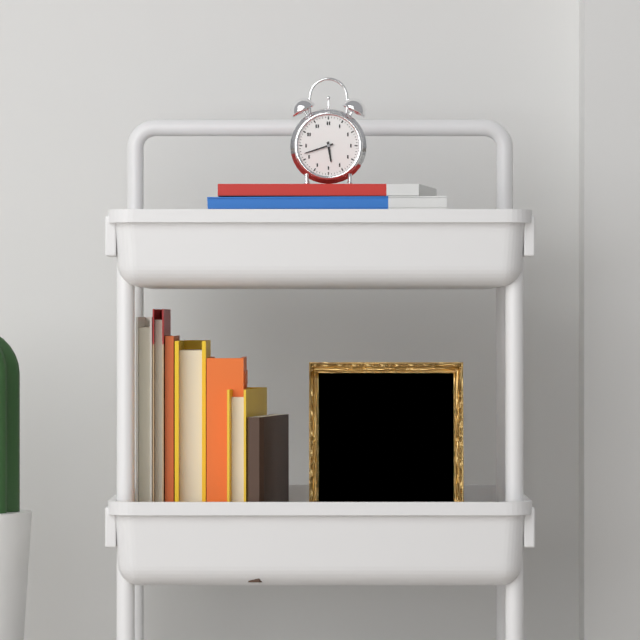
5:42
